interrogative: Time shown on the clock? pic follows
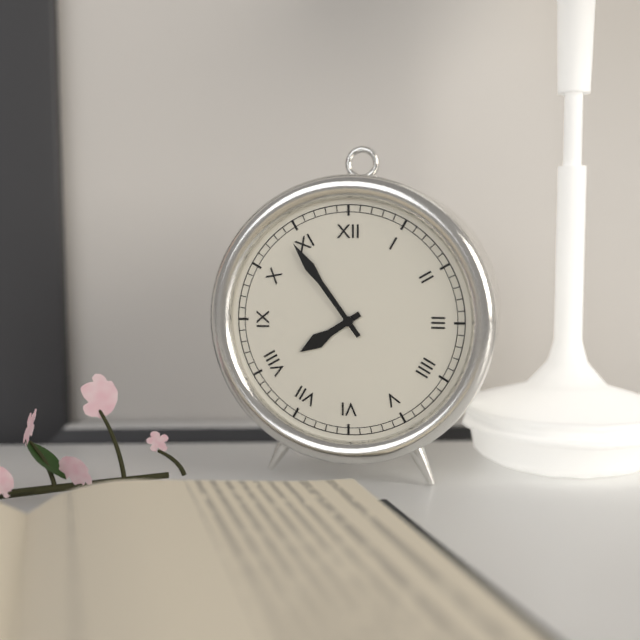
7:54
